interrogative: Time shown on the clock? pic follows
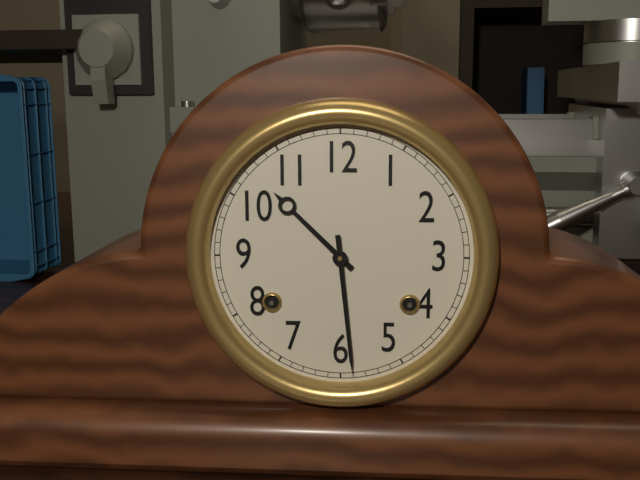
10:29
